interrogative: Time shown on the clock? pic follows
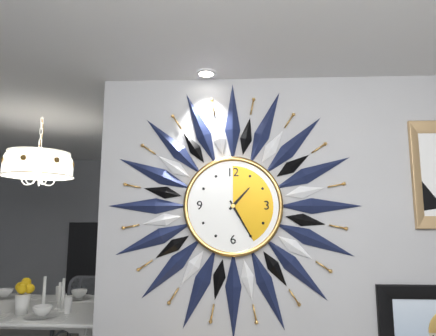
1:25
